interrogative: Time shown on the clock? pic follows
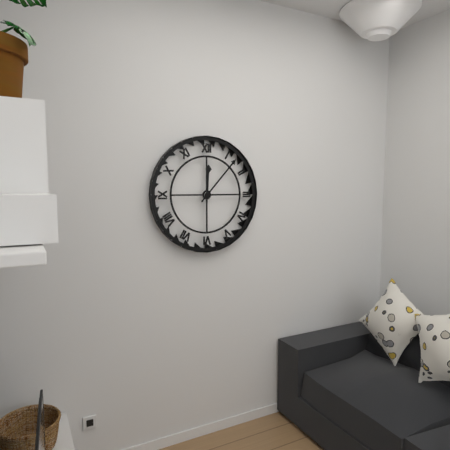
12:07
